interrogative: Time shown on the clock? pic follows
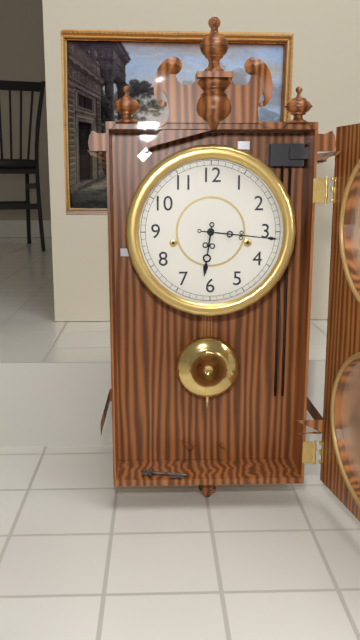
6:16
